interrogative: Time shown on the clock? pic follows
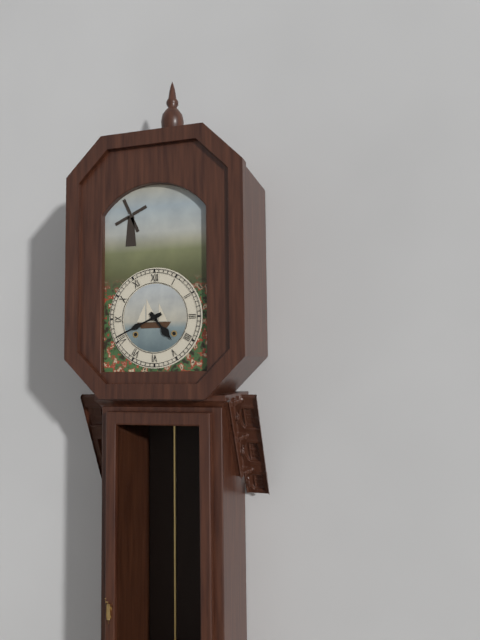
4:41
